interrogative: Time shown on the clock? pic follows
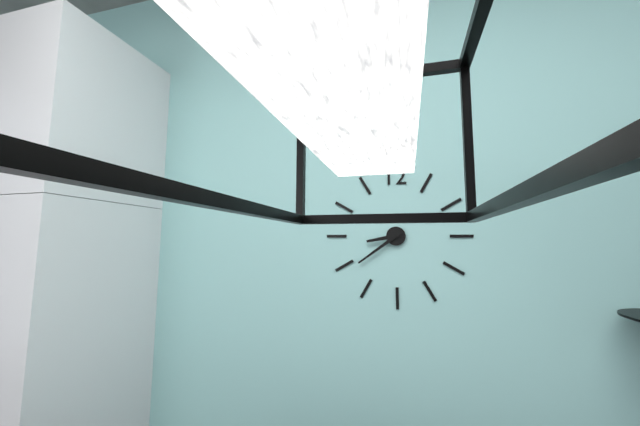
8:39
